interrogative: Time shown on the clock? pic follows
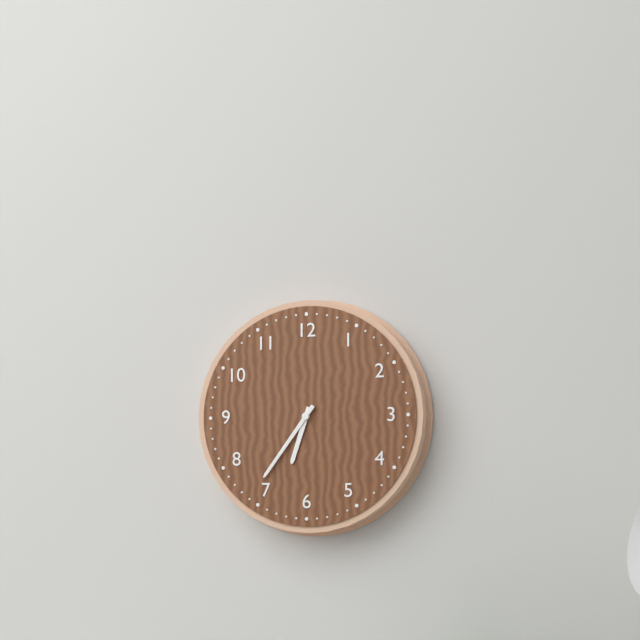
6:36
